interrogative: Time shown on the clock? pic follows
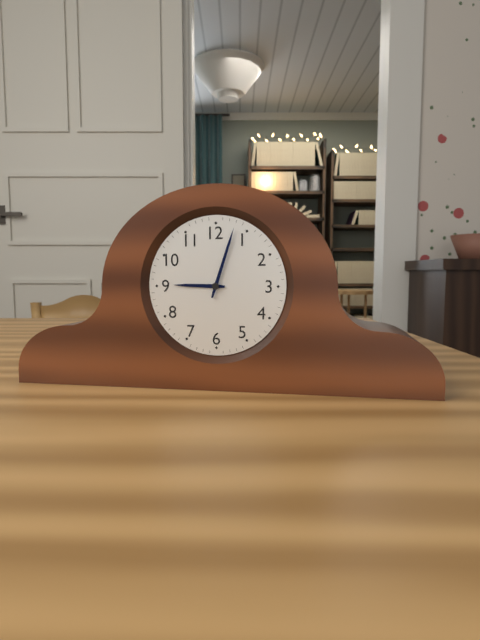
9:03
